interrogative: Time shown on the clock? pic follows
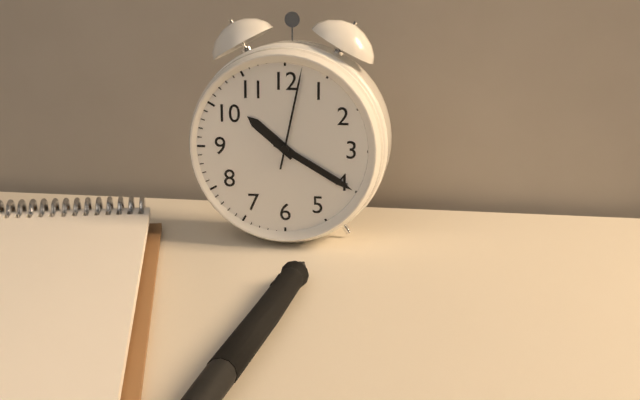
10:20:02
